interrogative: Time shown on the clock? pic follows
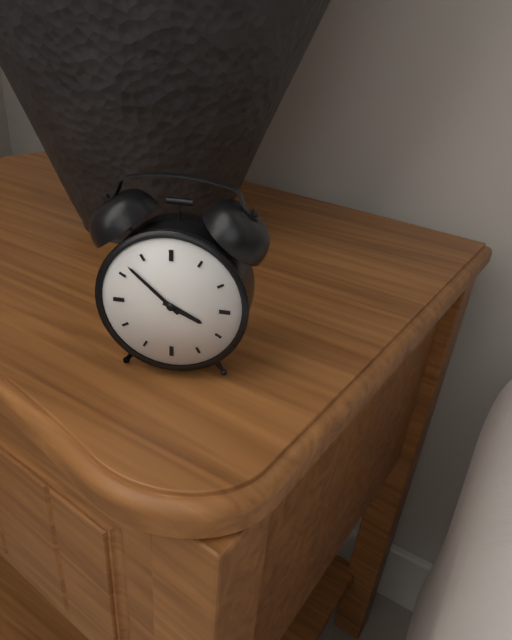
3:52
